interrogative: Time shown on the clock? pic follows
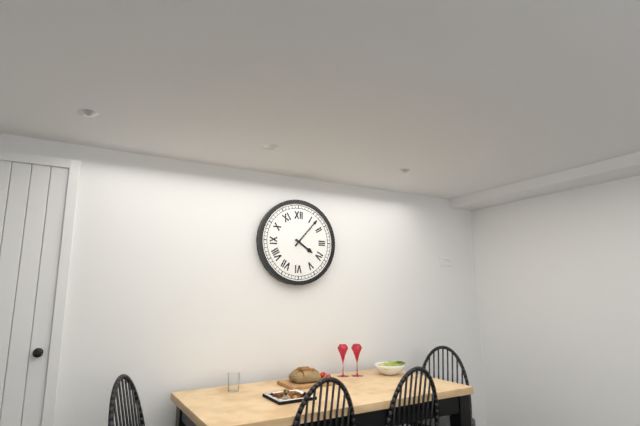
4:07
